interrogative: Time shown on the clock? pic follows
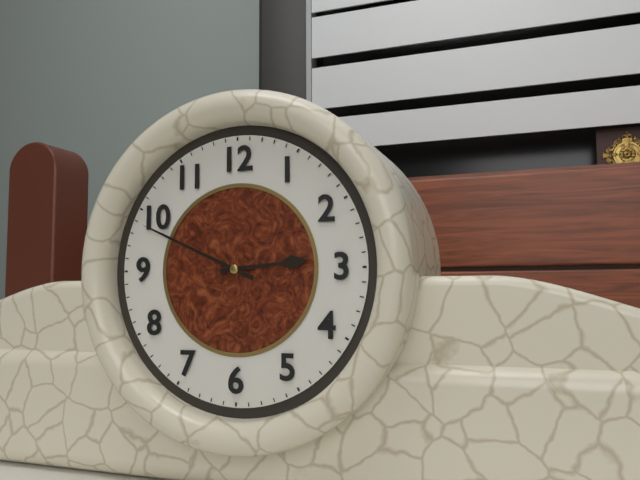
2:49
